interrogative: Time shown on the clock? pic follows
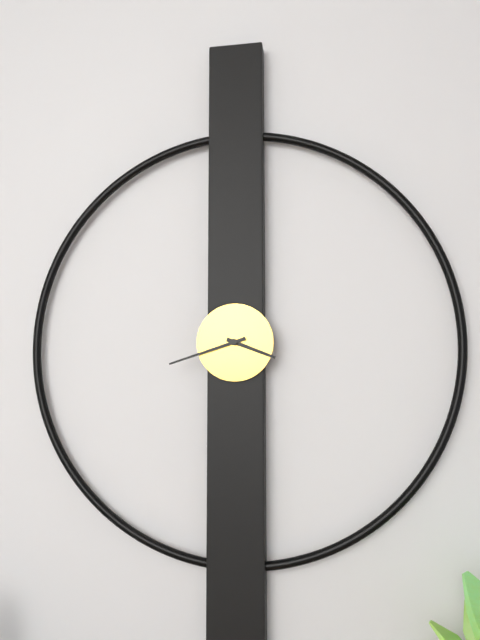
3:42
